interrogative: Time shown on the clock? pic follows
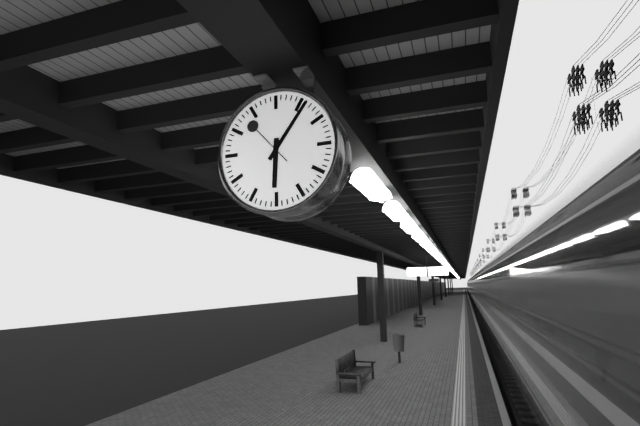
6:06:53
